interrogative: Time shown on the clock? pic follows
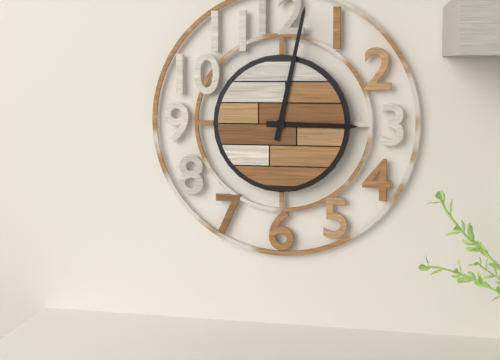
3:02
